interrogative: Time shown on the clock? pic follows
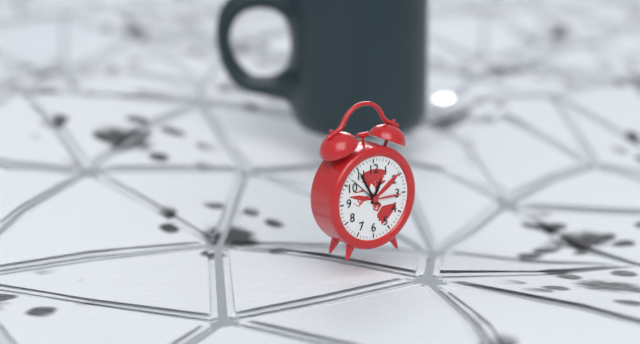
12:55
